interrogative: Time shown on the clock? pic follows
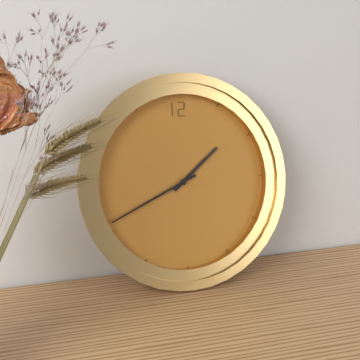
1:41
